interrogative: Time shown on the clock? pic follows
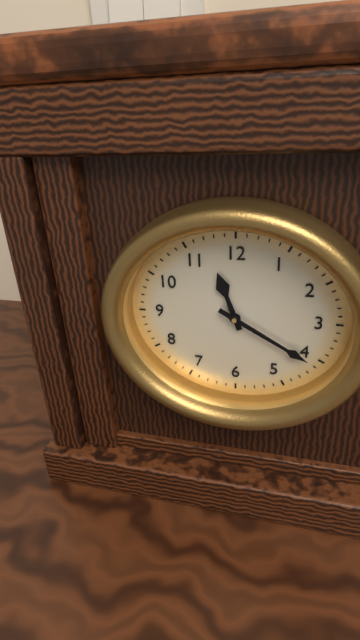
11:20
